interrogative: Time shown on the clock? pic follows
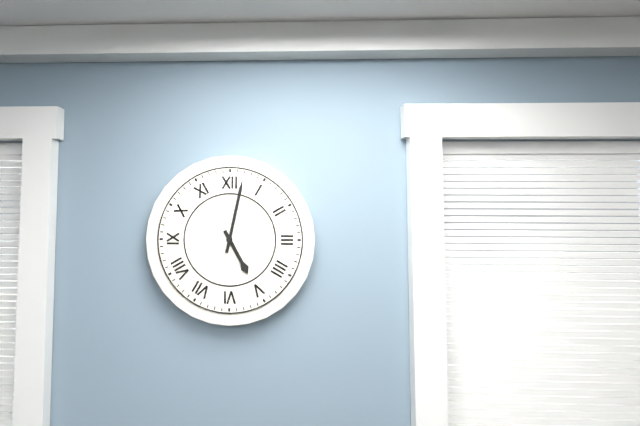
5:02
